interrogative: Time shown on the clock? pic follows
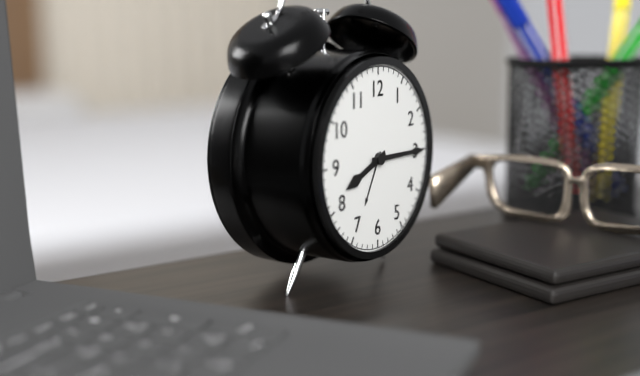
8:15
